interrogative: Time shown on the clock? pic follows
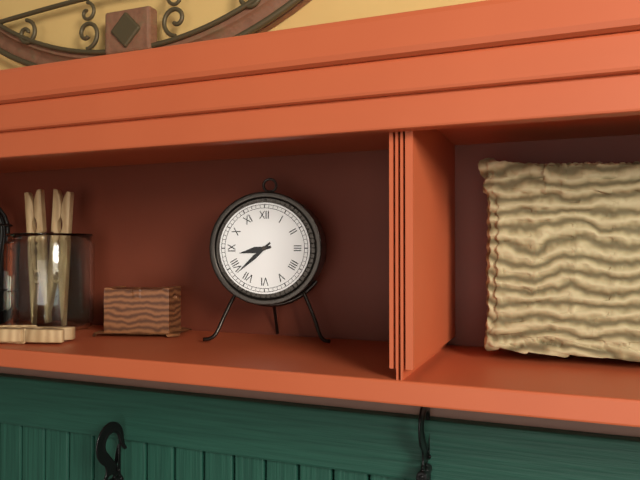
8:38
